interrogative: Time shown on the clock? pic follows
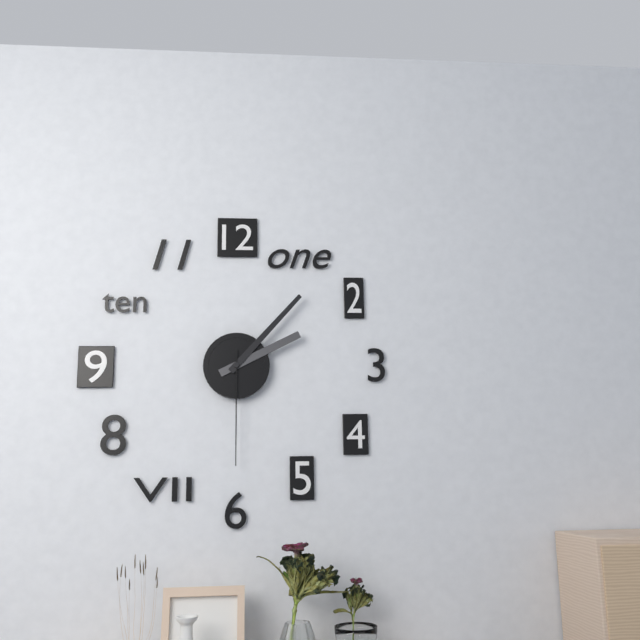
2:07:30
